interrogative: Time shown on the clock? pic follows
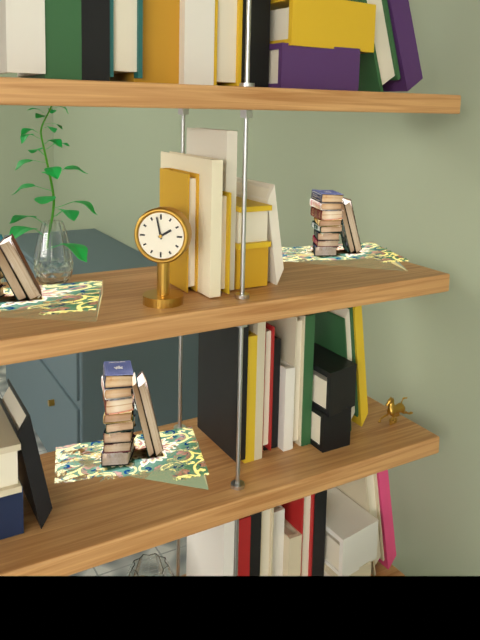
1:58
